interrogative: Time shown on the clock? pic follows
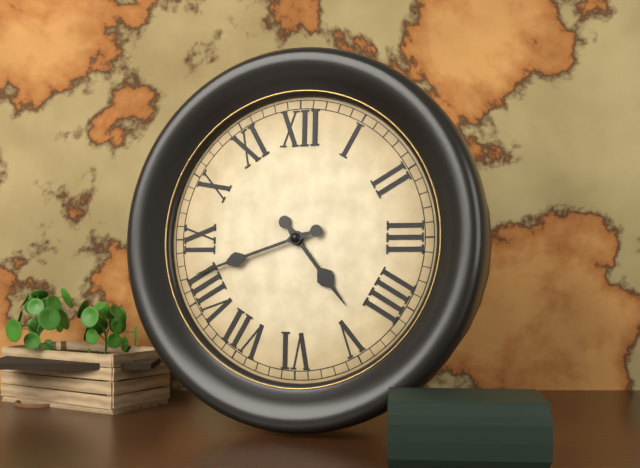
4:42
